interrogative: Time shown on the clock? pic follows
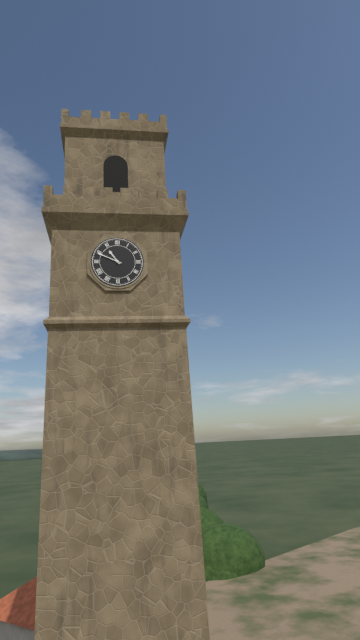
10:49
